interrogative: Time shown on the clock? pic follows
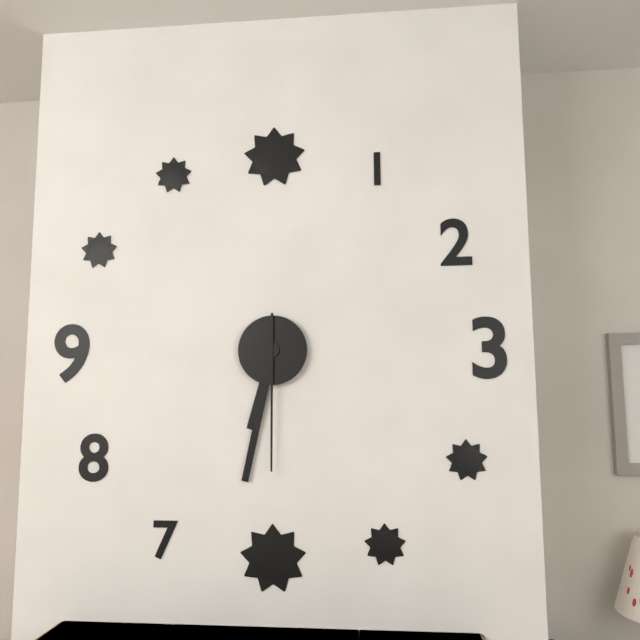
6:32:30
